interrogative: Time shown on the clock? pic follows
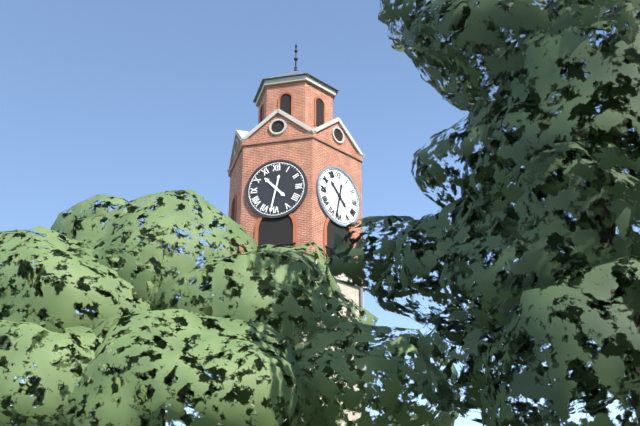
10:32
